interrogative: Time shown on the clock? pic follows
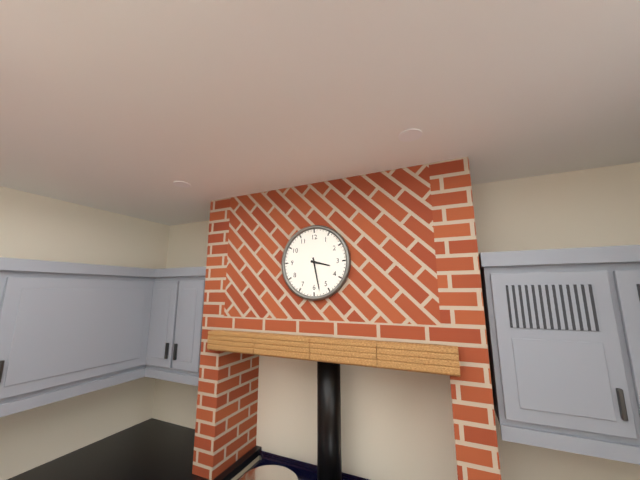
3:28
